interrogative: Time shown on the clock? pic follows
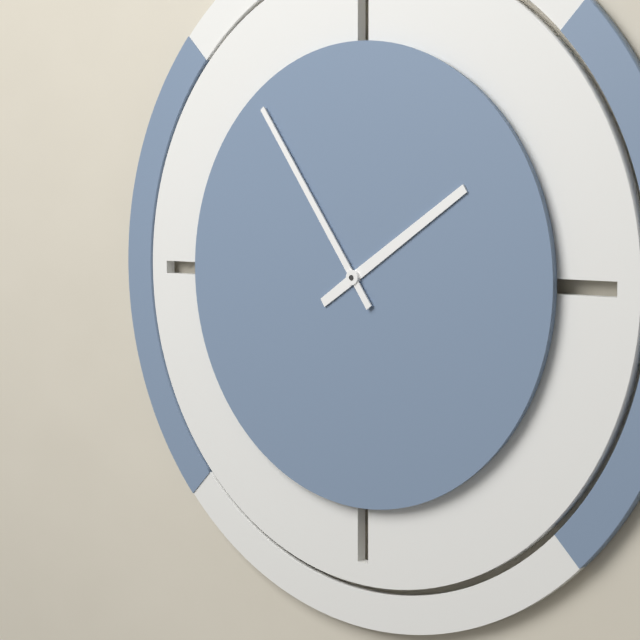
1:54
